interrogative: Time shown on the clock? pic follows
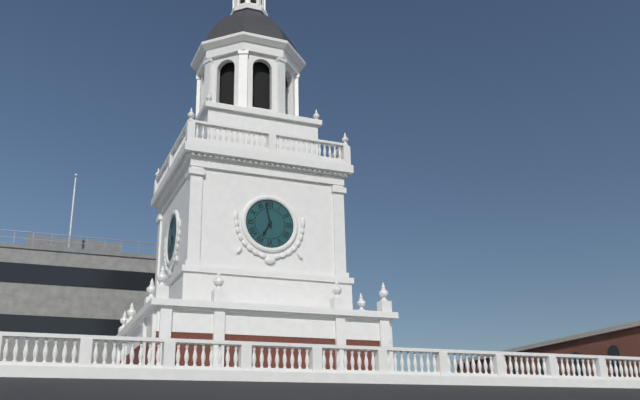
6:58
